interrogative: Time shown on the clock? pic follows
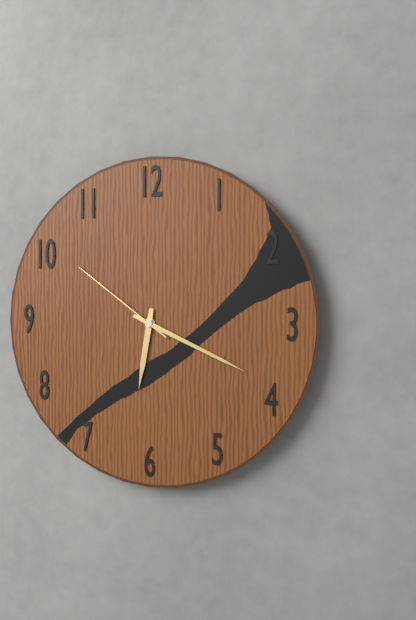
6:19:51
